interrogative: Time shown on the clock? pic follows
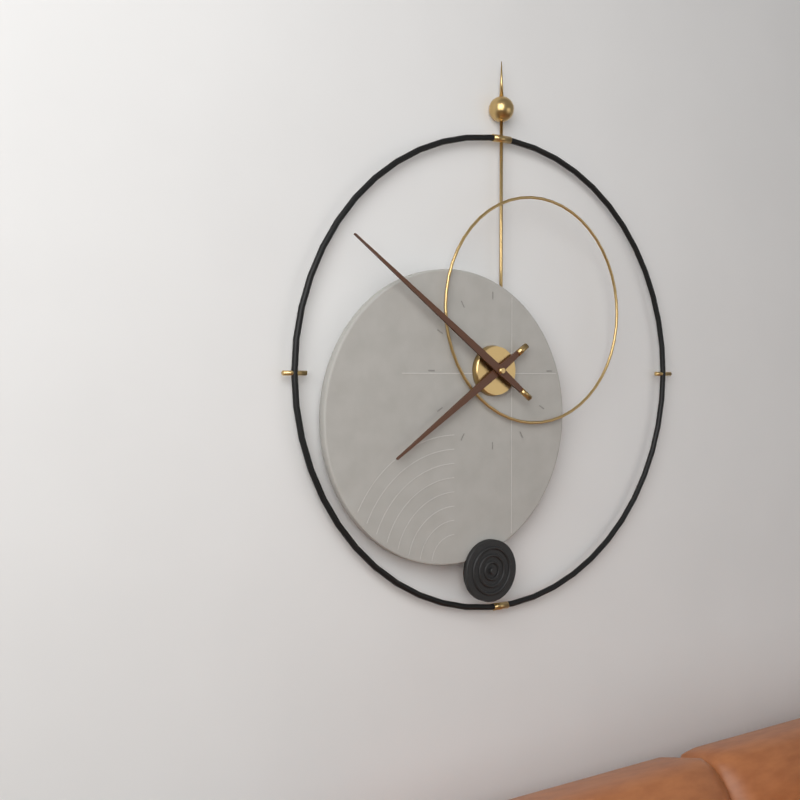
7:51
